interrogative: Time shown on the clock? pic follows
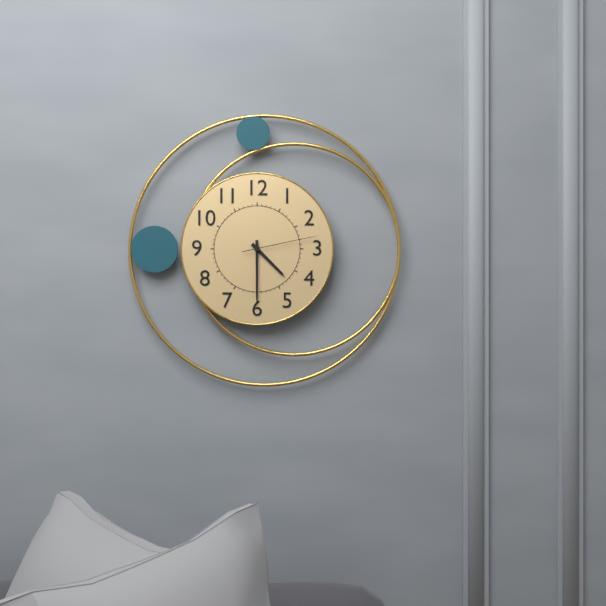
4:30:13
